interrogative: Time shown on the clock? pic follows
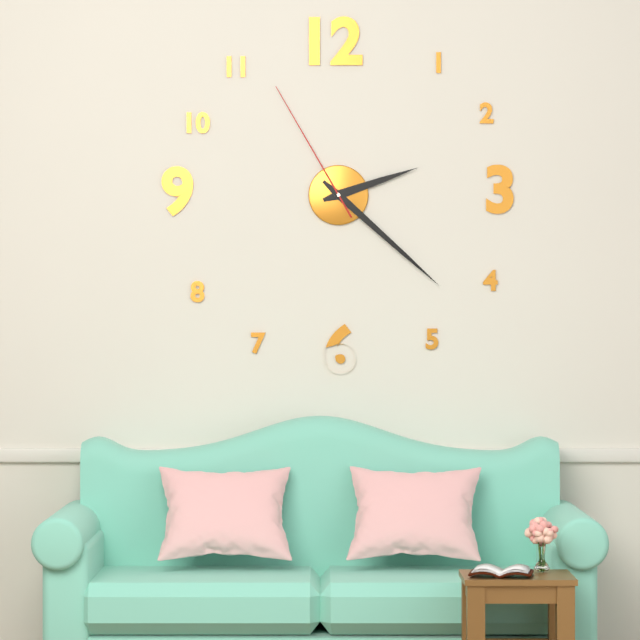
2:22:55
